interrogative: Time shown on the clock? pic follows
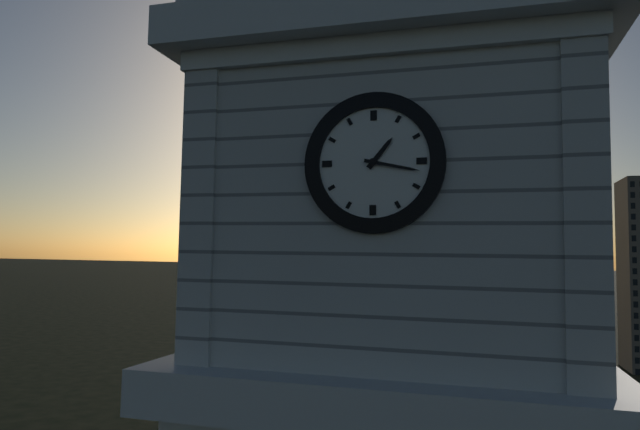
1:17
